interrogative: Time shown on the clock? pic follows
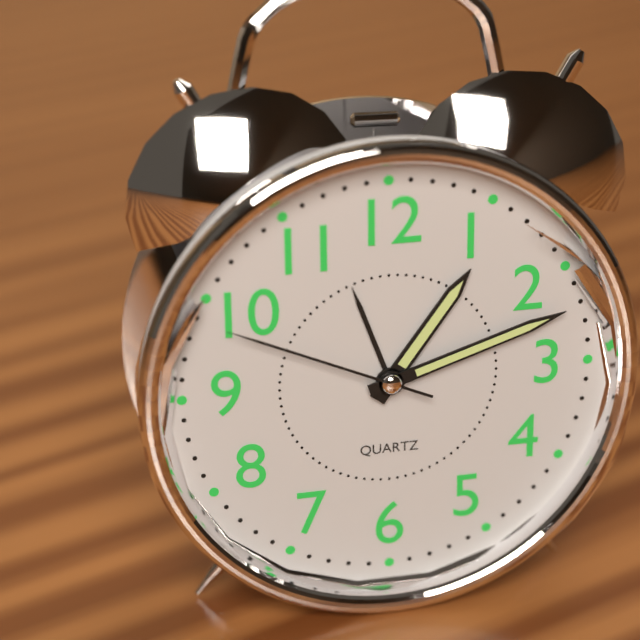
1:12:49
